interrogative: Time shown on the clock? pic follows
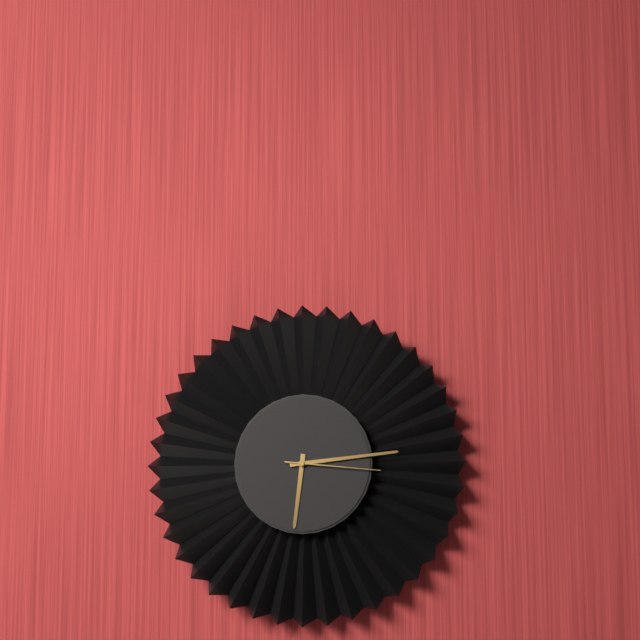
6:14:16
